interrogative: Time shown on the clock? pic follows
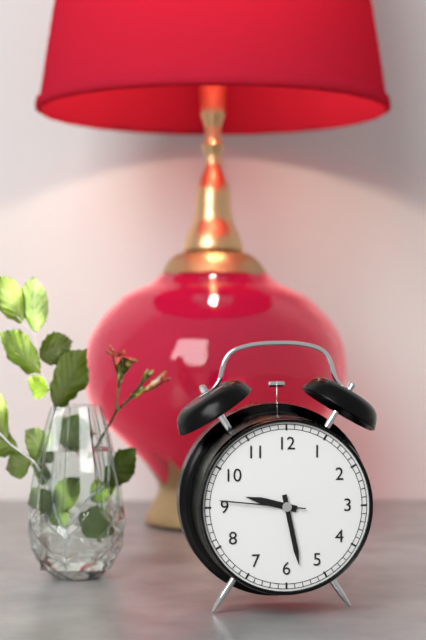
9:28:46
